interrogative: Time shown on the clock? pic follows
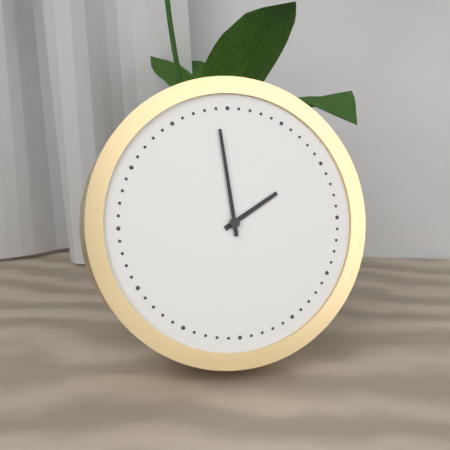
1:59
